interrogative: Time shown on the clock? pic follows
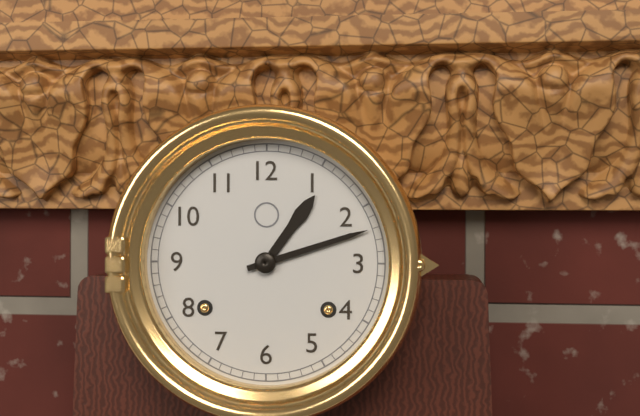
1:12
